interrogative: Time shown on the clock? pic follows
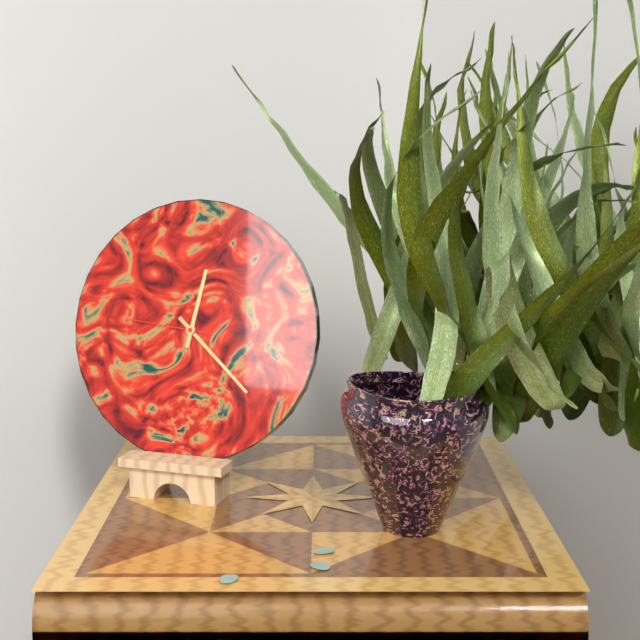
12:22:46
